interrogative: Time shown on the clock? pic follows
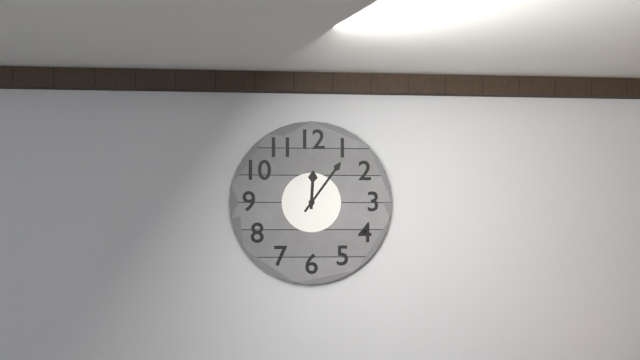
12:06
